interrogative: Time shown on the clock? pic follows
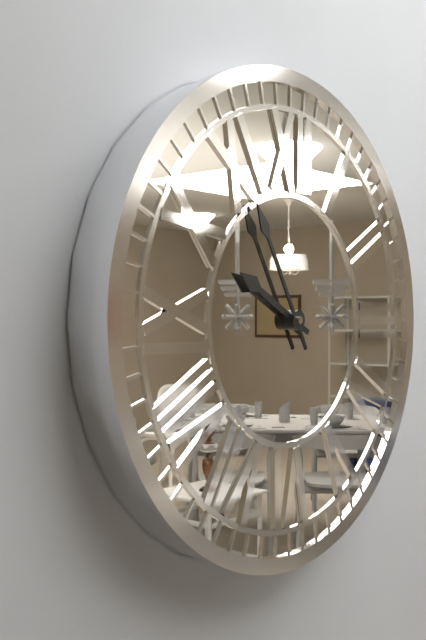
9:55
